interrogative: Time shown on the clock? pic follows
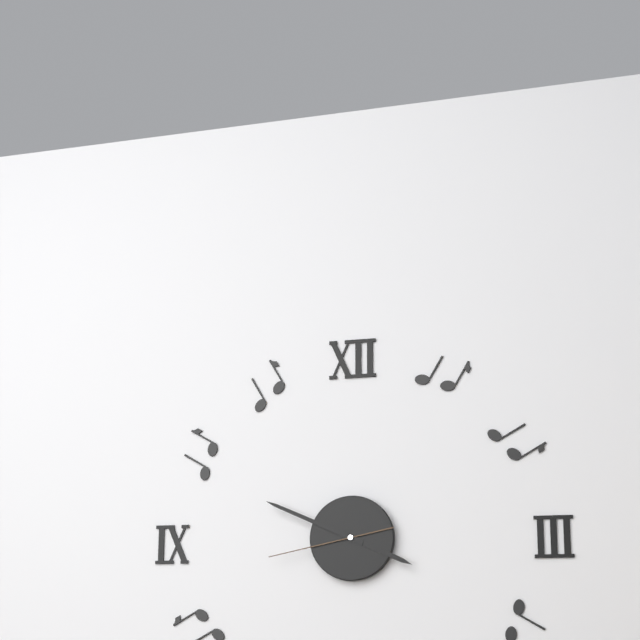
3:49:43
